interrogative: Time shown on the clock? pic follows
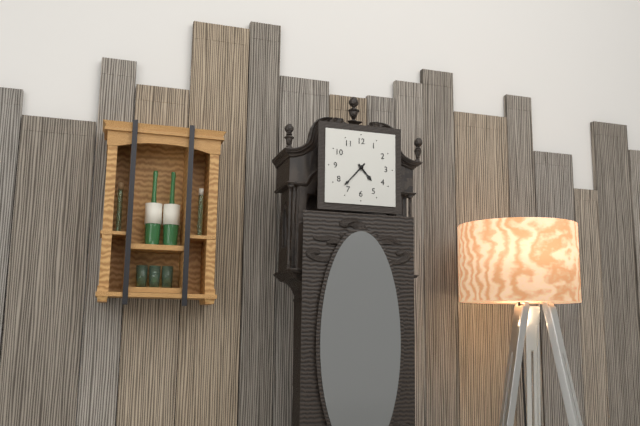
4:37
